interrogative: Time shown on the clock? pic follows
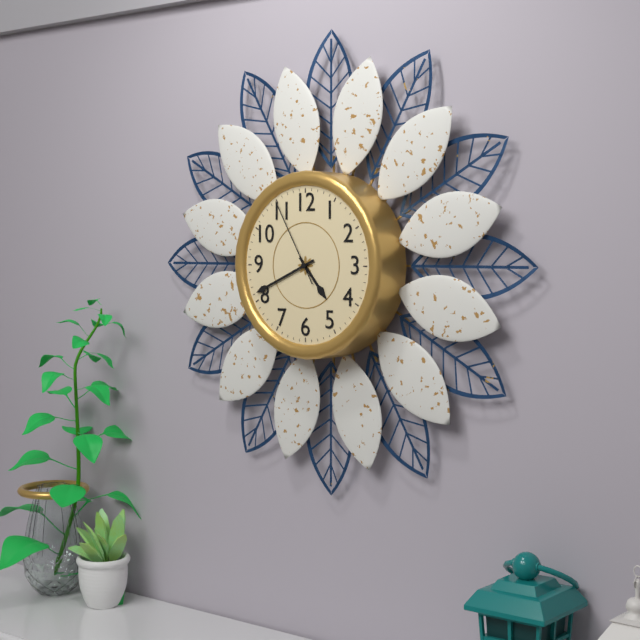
4:41:55
